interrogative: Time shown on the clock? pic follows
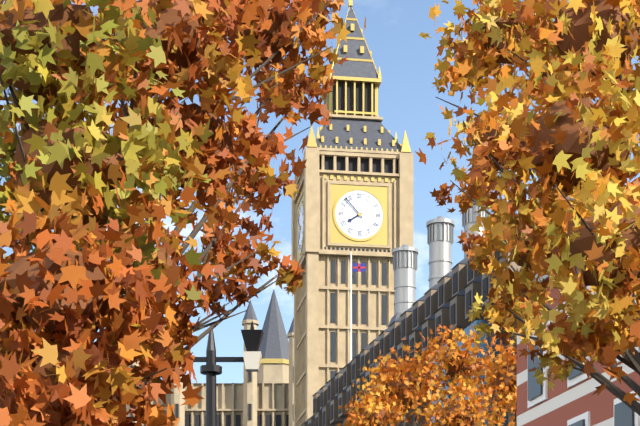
7:53
